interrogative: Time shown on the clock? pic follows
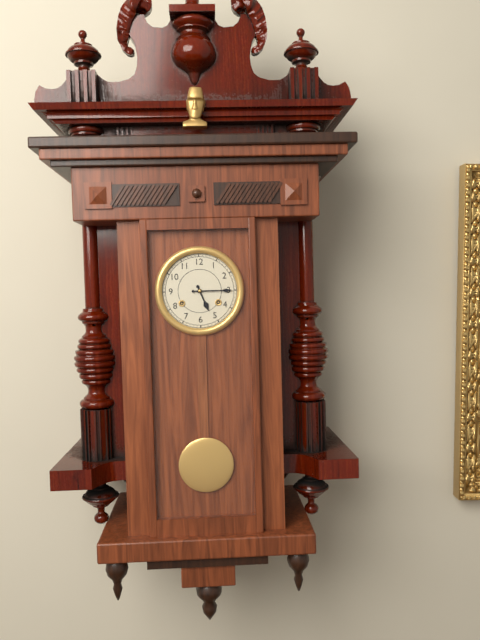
5:15
